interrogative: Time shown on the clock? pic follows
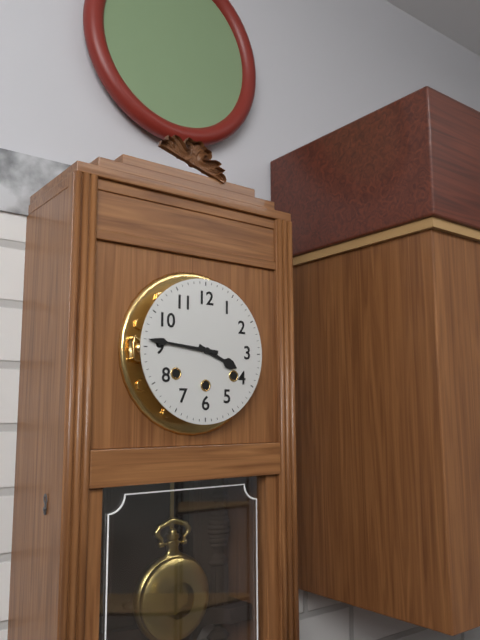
3:46
